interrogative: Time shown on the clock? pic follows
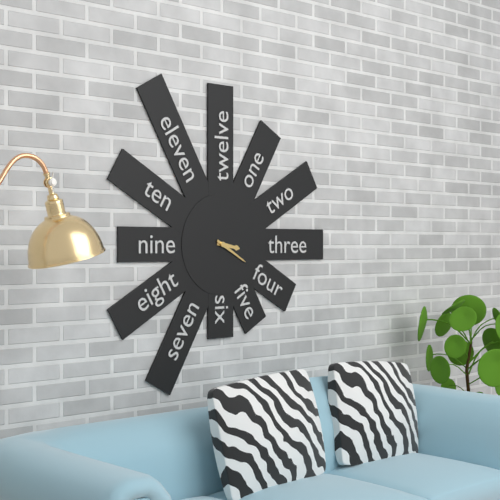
3:20
